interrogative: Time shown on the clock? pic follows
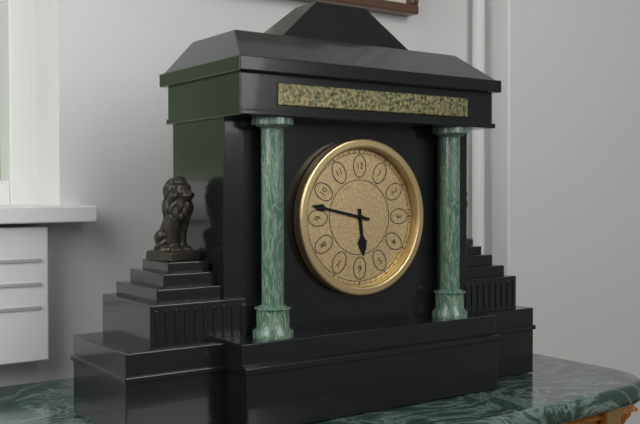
5:47
